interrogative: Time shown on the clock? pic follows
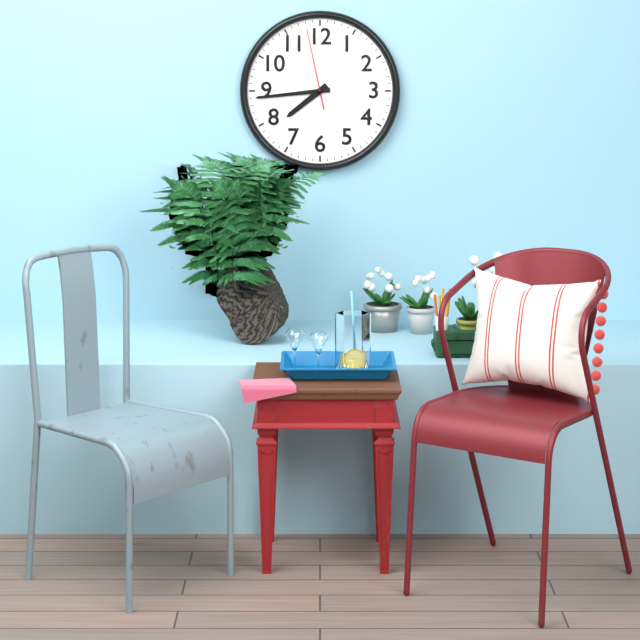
7:44:58
